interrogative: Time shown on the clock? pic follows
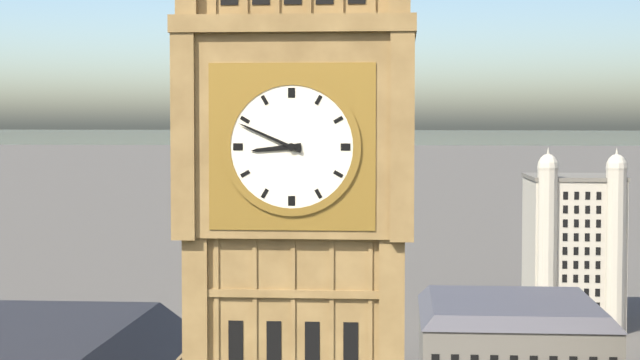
8:49
